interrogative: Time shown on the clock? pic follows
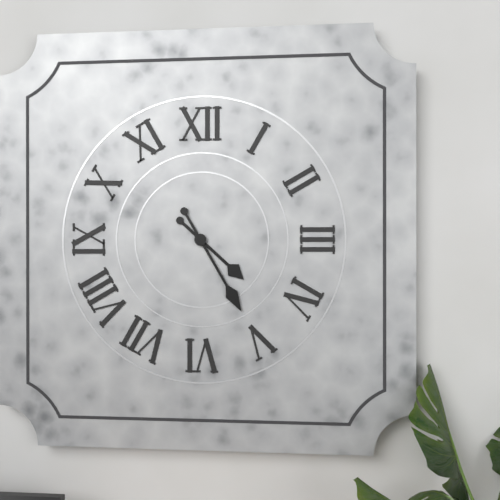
4:25
